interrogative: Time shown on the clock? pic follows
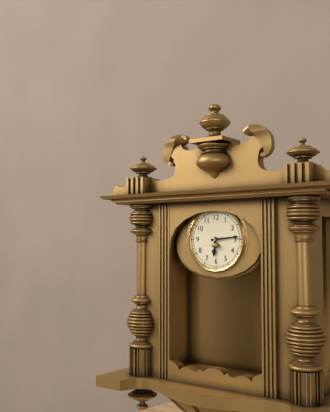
6:14
